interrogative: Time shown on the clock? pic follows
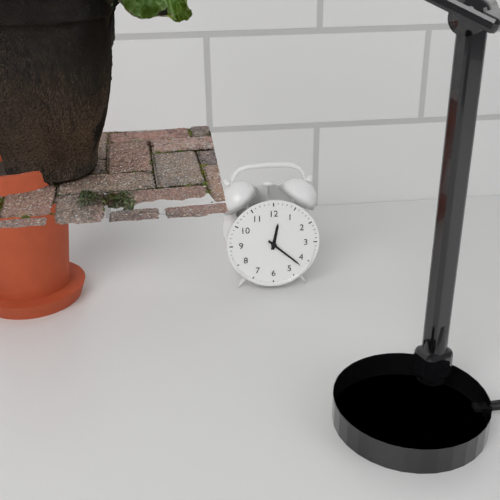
12:22
